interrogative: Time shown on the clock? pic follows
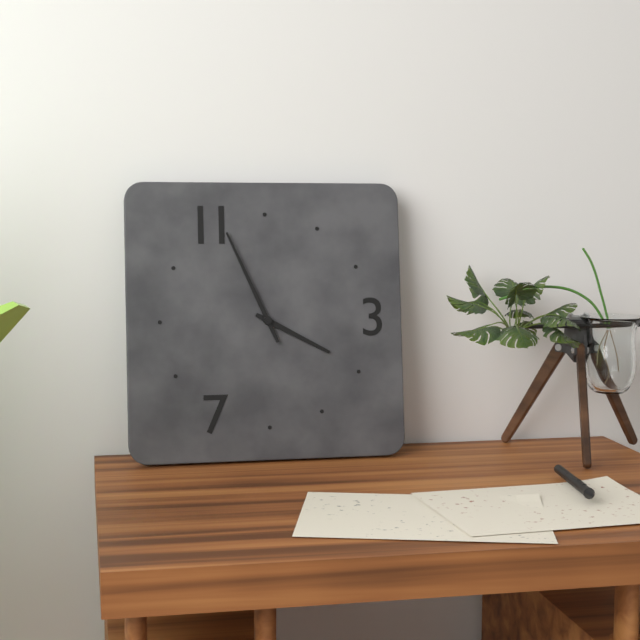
3:56
